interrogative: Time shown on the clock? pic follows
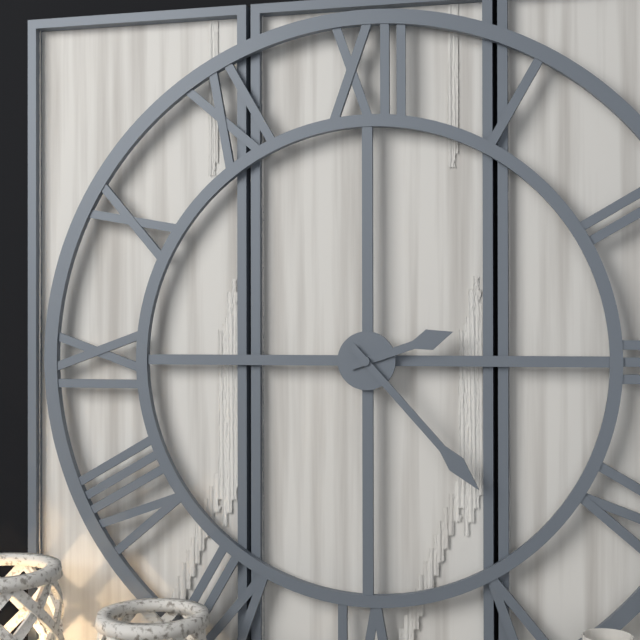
2:23
